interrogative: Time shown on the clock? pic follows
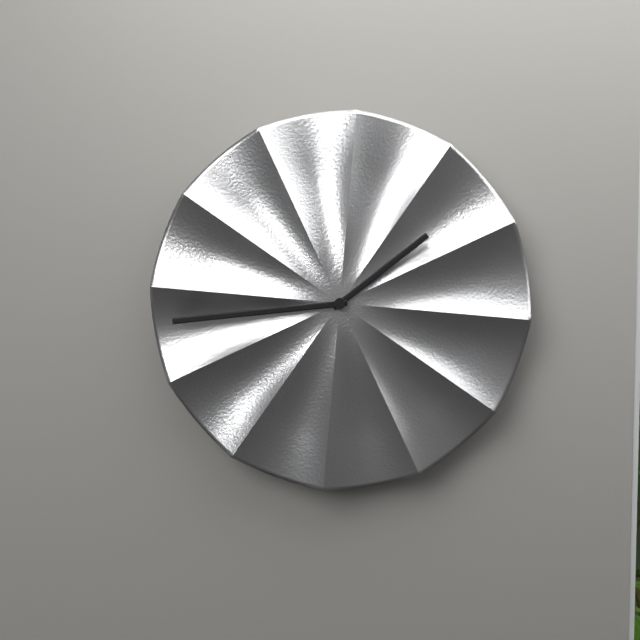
1:44
